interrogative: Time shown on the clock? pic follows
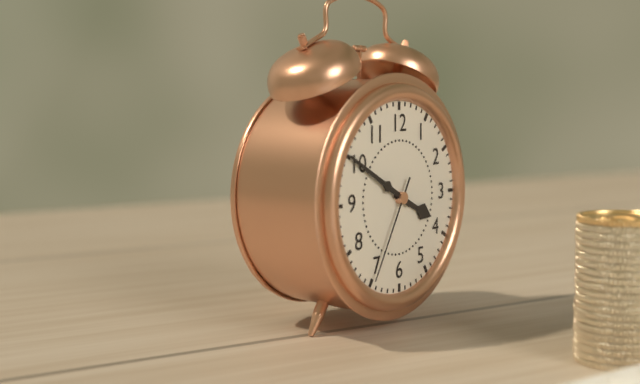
3:50:35
